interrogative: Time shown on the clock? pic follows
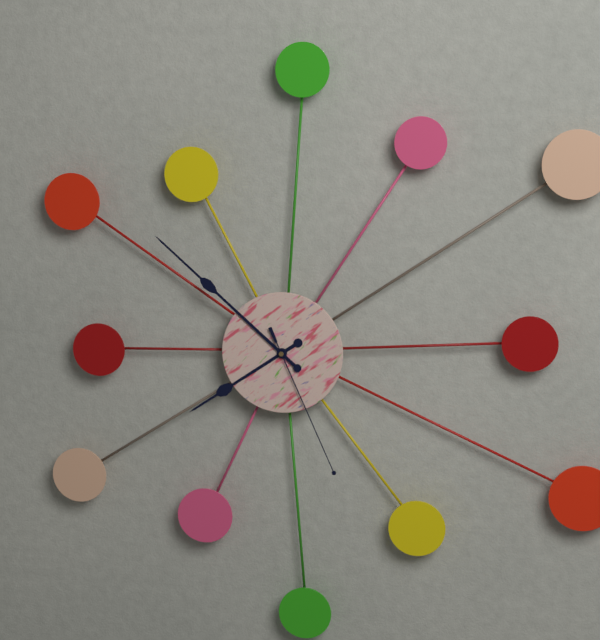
7:52:26
